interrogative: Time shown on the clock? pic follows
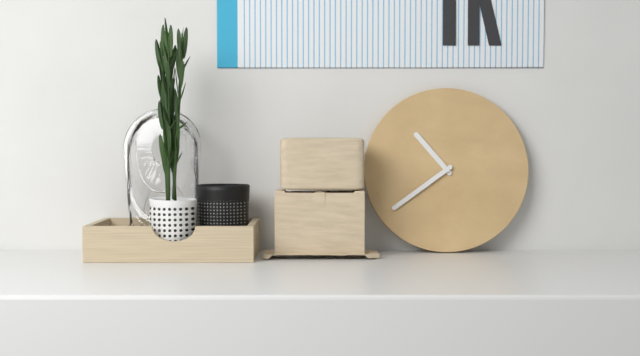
10:39
